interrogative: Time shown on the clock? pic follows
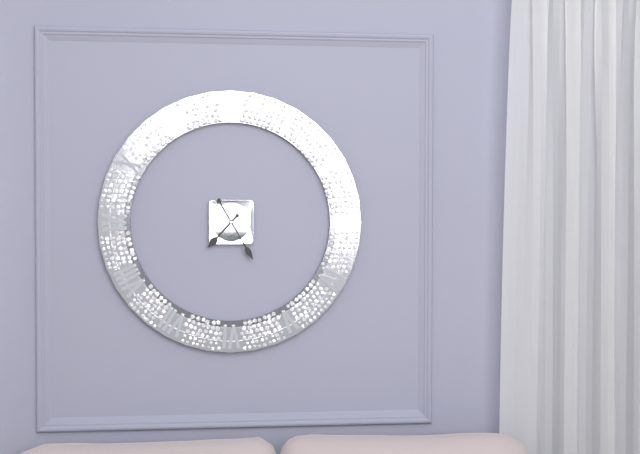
7:25
